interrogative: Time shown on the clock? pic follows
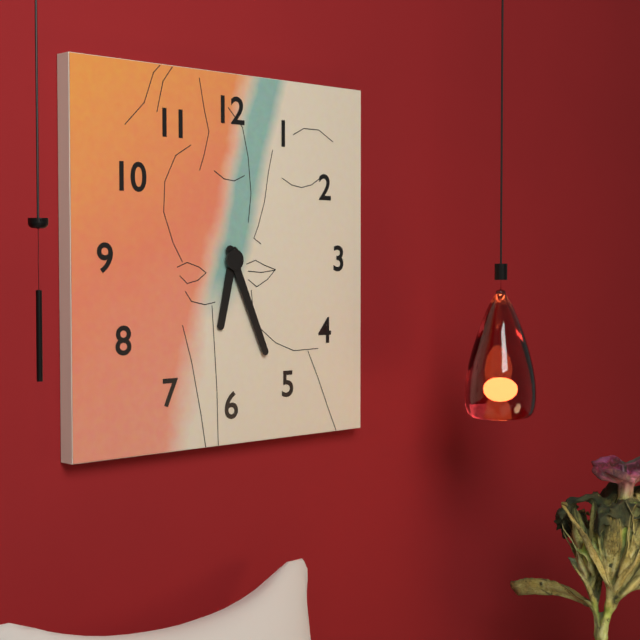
6:26
